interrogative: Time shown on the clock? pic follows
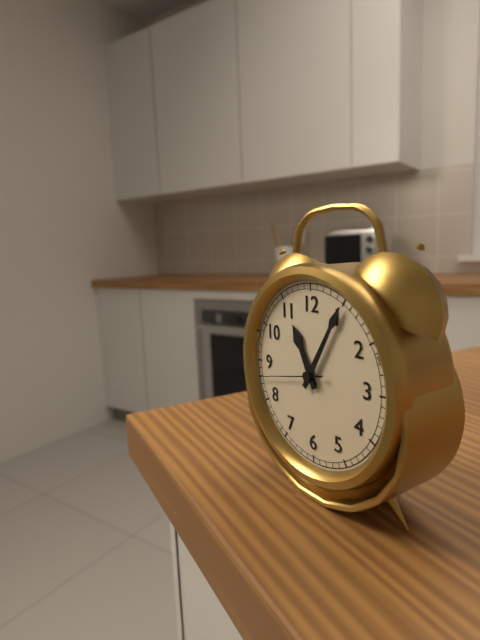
11:05:43
